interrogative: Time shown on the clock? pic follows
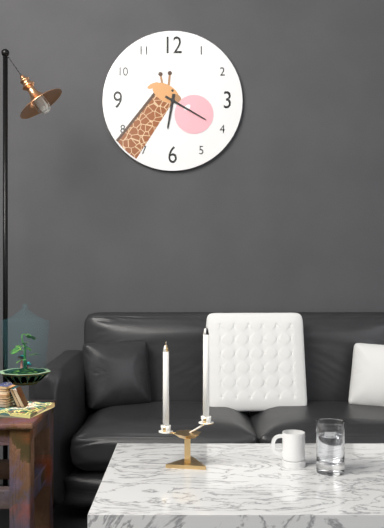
6:20
